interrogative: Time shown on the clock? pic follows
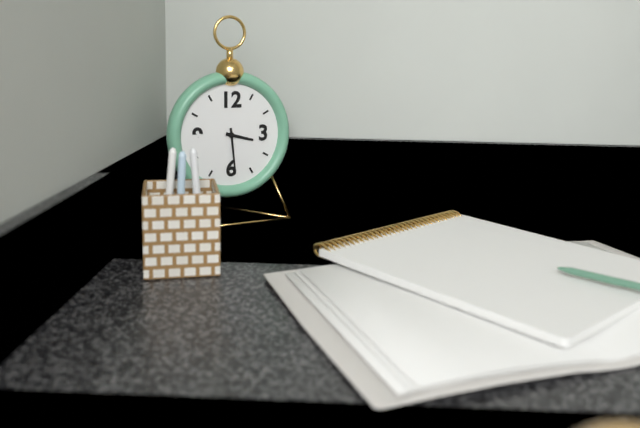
3:29
